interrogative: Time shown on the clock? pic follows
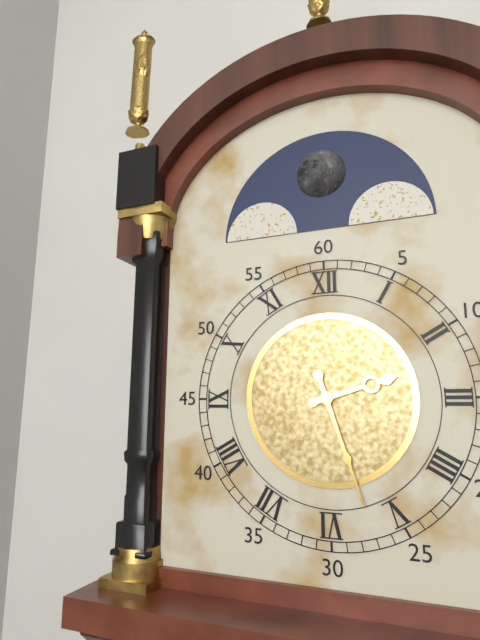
2:27
